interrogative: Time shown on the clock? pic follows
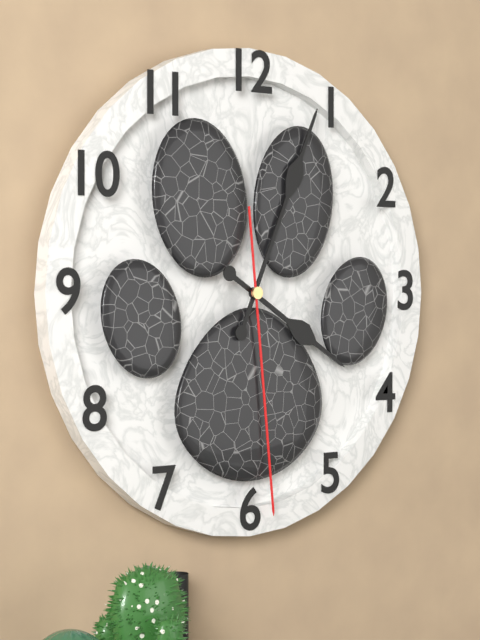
4:04:29
